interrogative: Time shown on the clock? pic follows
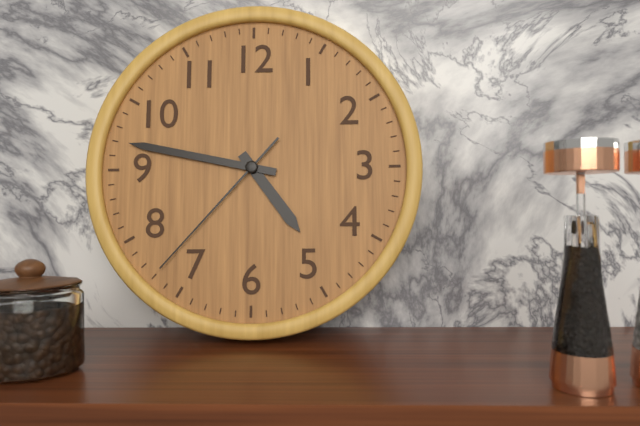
4:47:37
